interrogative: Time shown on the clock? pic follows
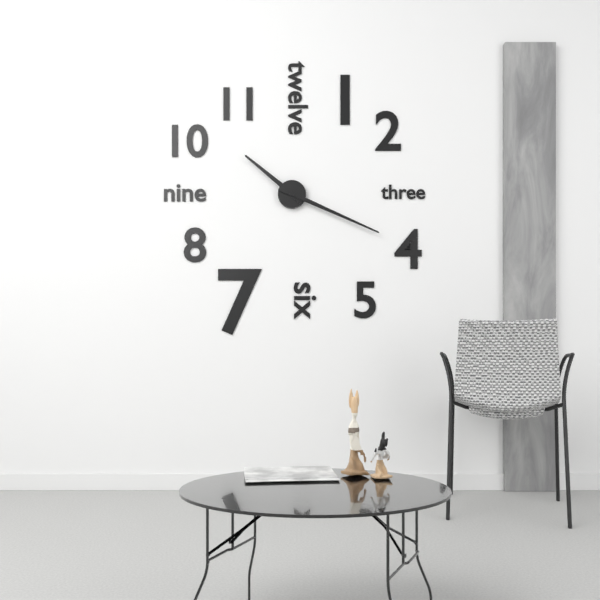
10:19
